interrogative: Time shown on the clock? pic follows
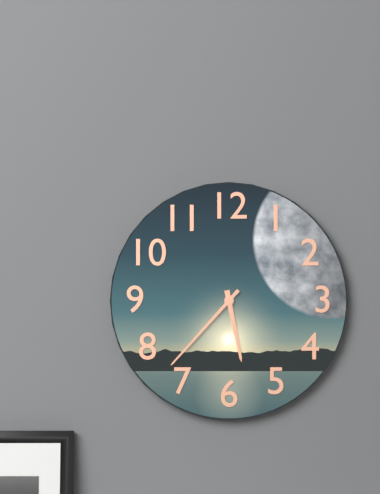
5:37
